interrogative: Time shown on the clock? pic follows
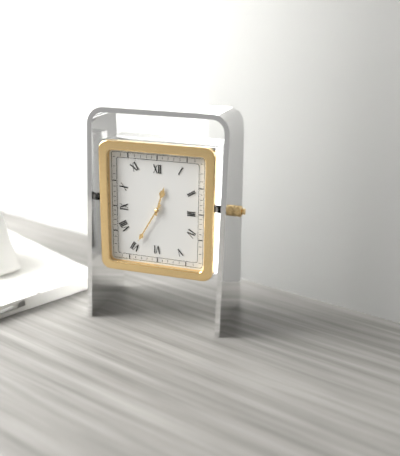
12:35
